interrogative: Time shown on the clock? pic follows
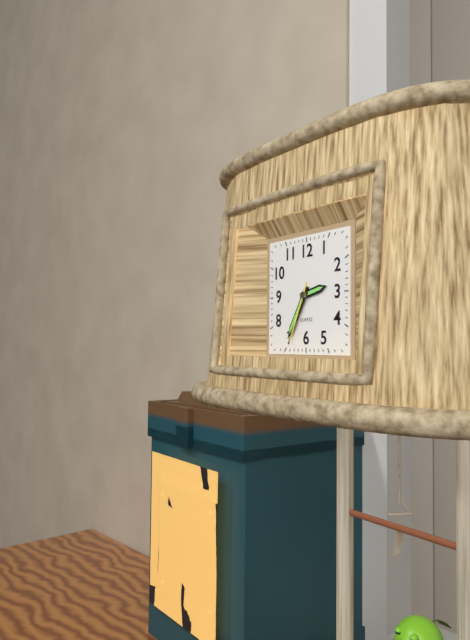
2:35:34
